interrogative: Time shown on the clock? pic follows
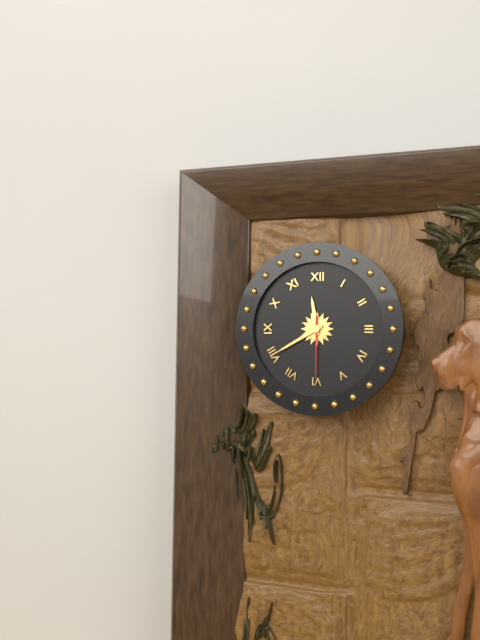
11:40:30
